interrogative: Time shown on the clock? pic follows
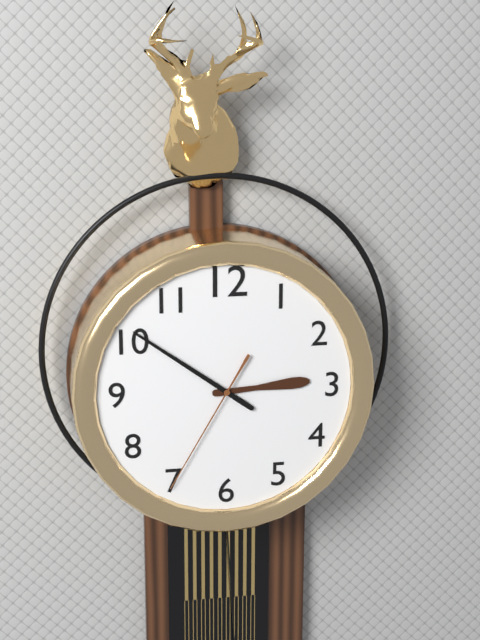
2:51:35
